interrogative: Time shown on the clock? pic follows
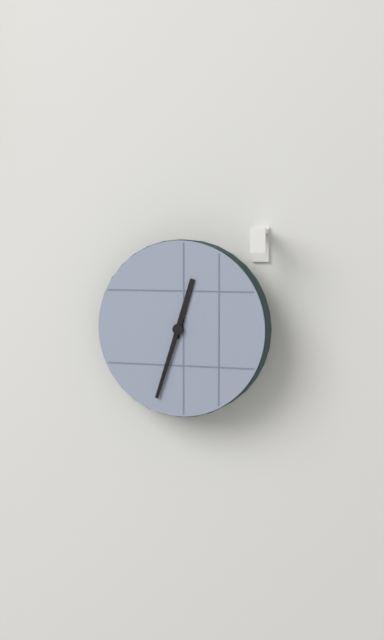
12:33
